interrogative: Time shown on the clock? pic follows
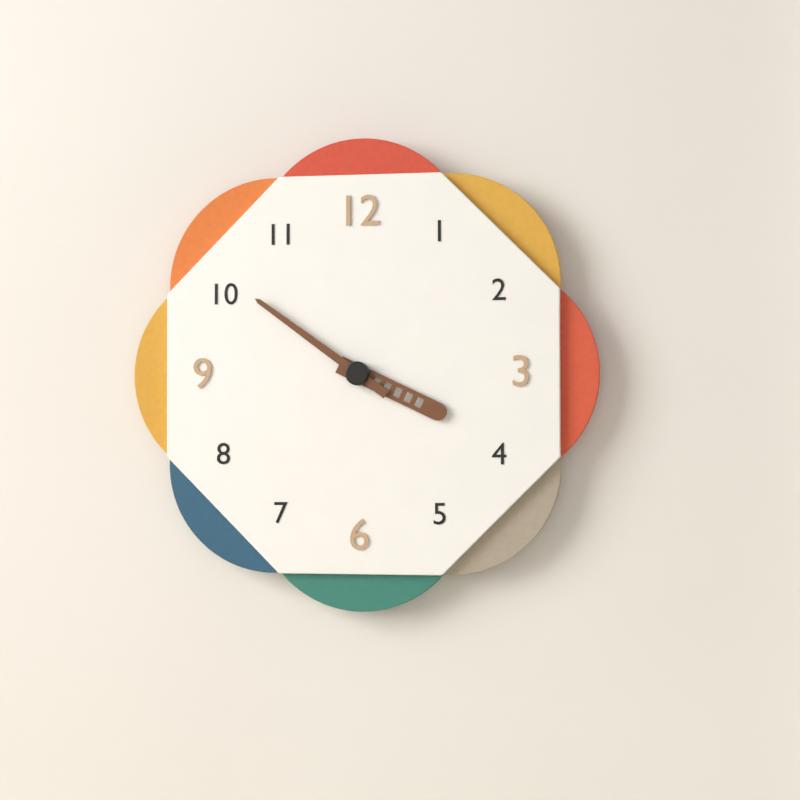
3:51
